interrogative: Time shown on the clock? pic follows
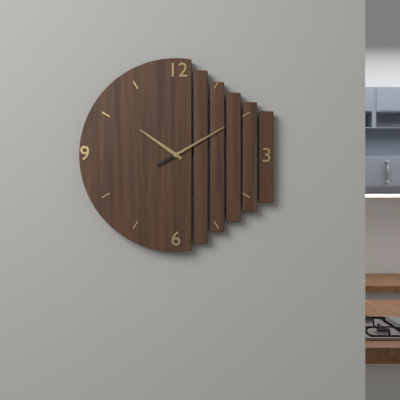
10:10
